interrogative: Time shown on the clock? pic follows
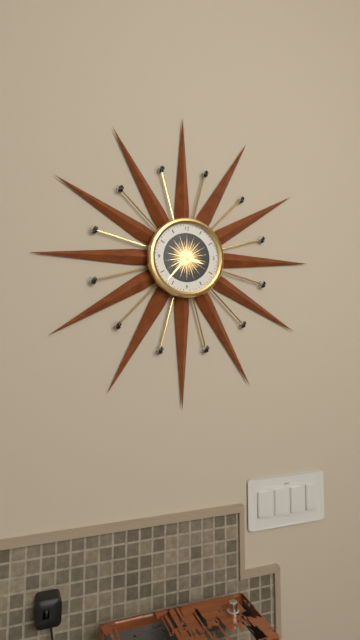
3:37
